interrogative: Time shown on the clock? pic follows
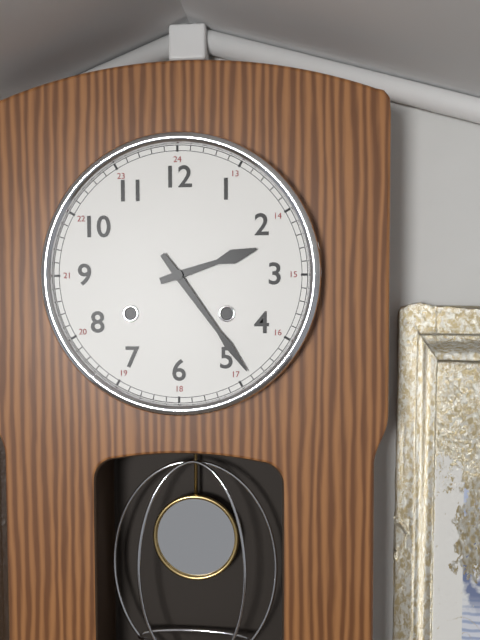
2:24
